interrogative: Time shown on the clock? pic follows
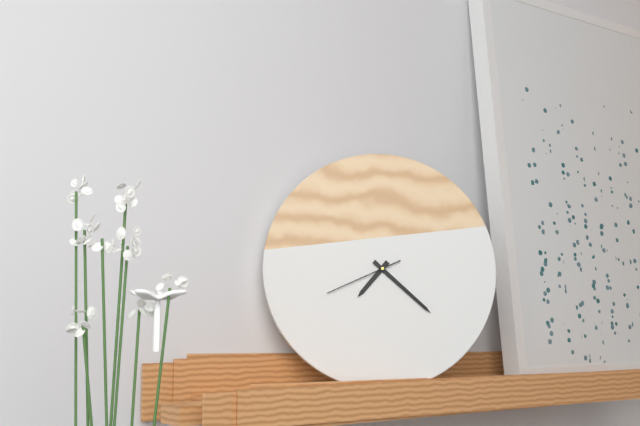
7:22:41
